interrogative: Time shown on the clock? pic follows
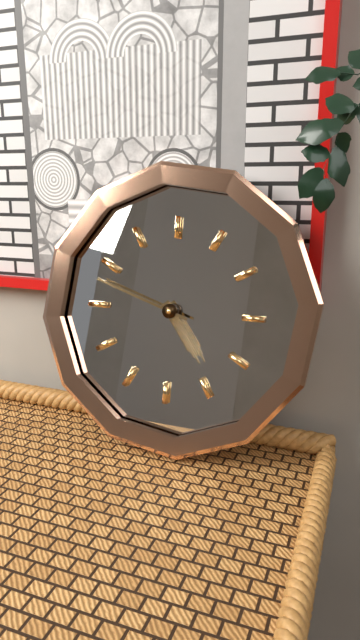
4:48
